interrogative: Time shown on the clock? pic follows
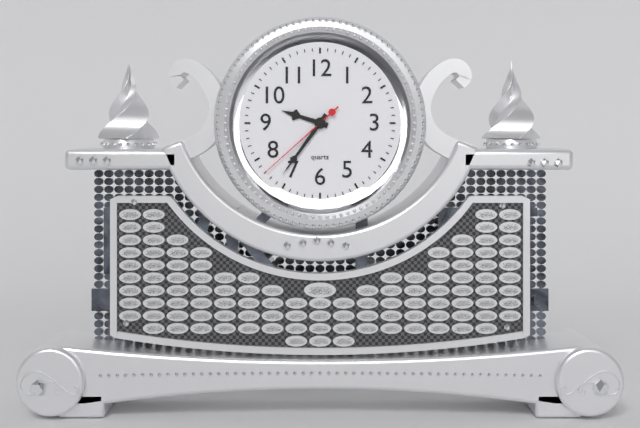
9:36:38
